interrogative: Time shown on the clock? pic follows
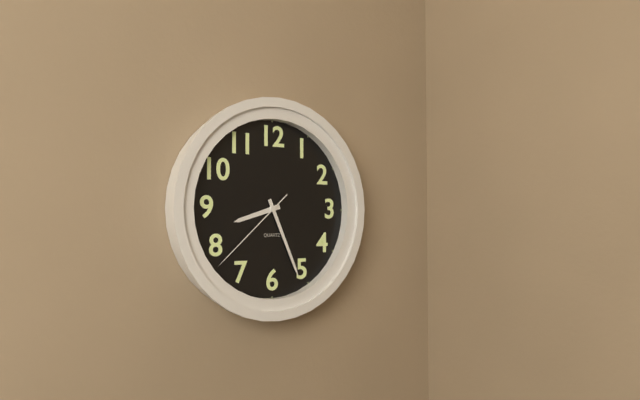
8:26:38
